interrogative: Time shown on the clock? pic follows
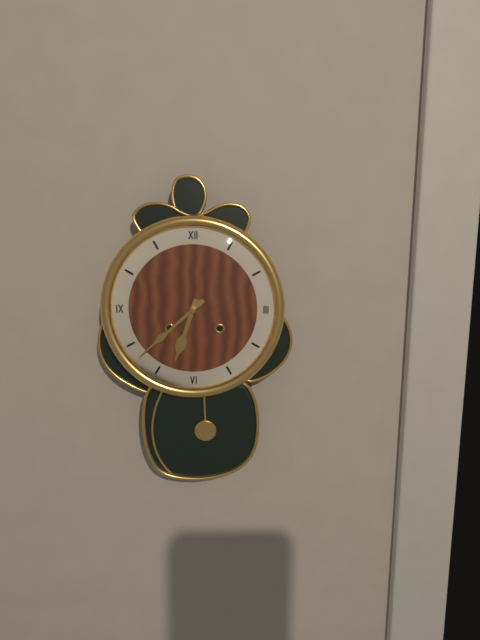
6:38
